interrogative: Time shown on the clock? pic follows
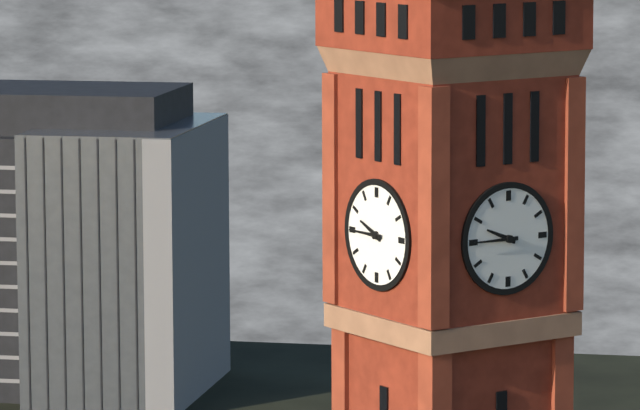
9:45
